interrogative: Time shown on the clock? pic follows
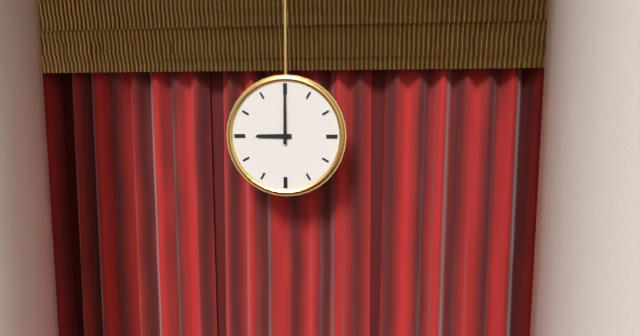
9:00
